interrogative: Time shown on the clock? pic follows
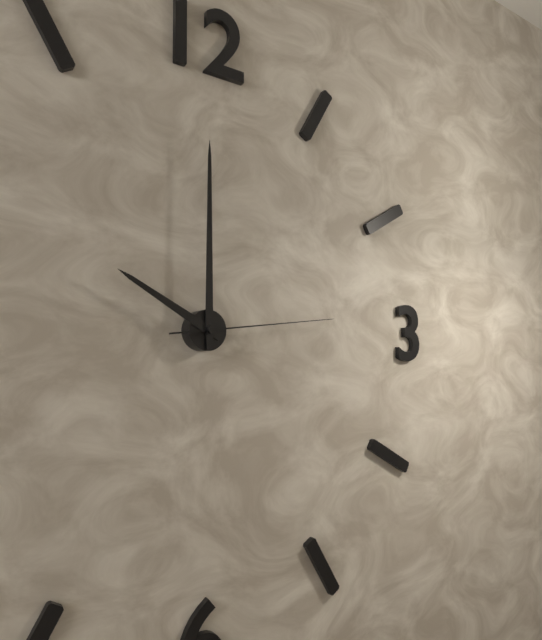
10:00:14
